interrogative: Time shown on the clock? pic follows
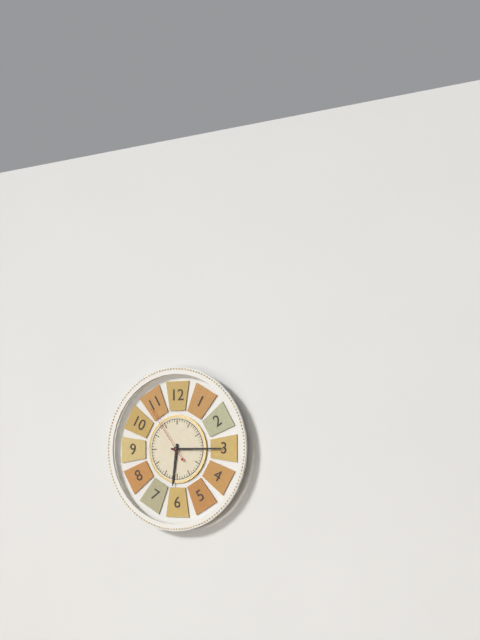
6:15:54
